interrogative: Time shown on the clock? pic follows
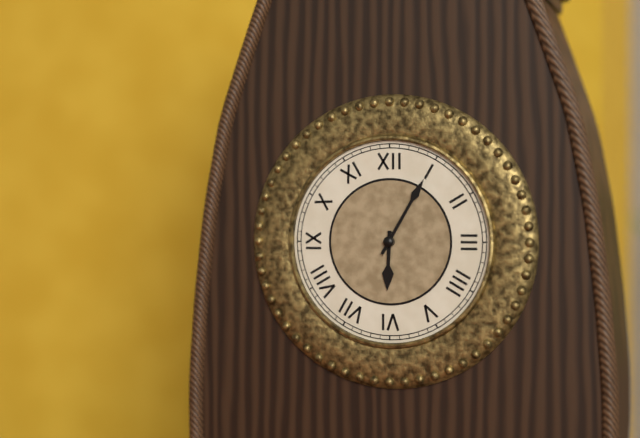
6:05
